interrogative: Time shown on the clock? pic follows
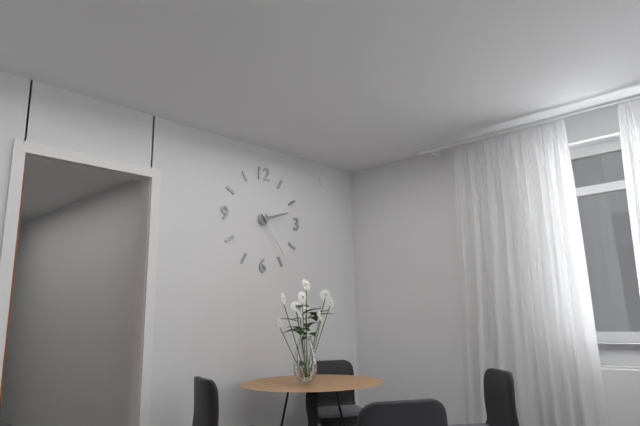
2:24
